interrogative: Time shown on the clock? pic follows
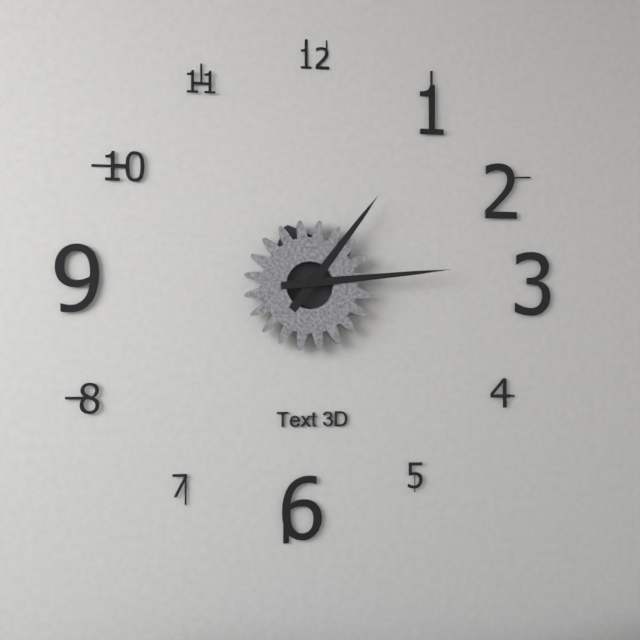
1:14
